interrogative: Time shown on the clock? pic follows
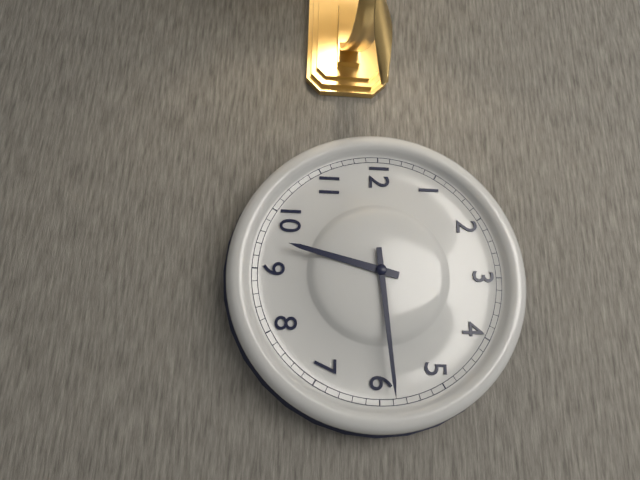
9:29
